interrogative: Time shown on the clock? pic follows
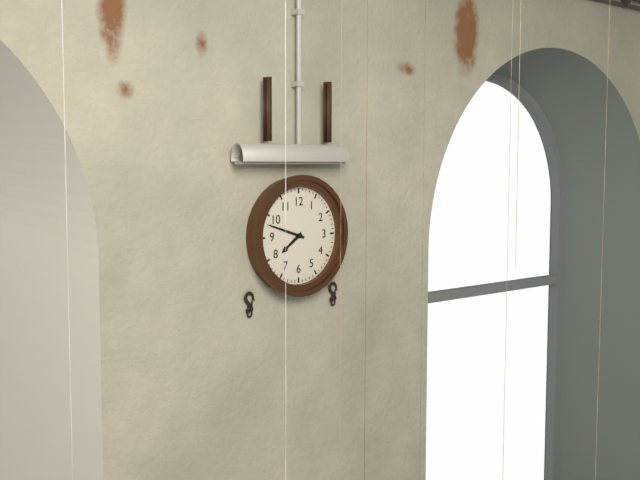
7:48
